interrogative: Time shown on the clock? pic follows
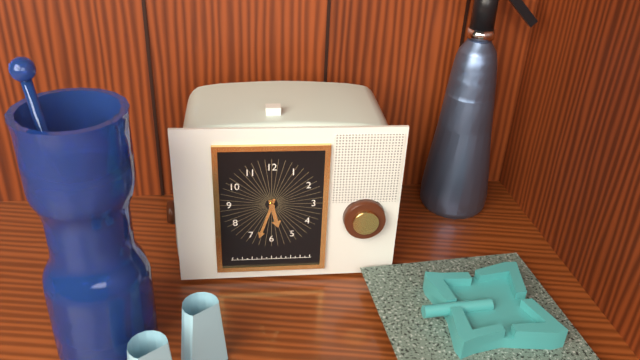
5:33
